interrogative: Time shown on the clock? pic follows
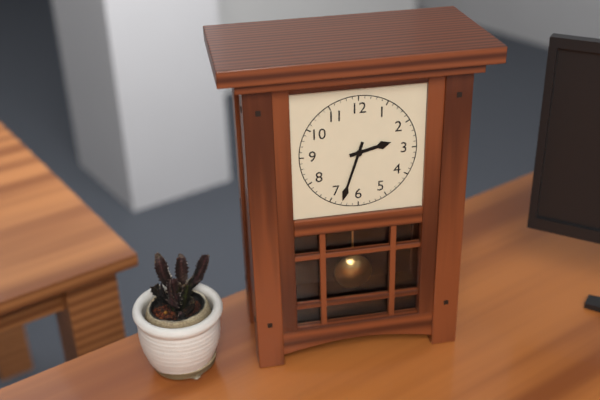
2:33
